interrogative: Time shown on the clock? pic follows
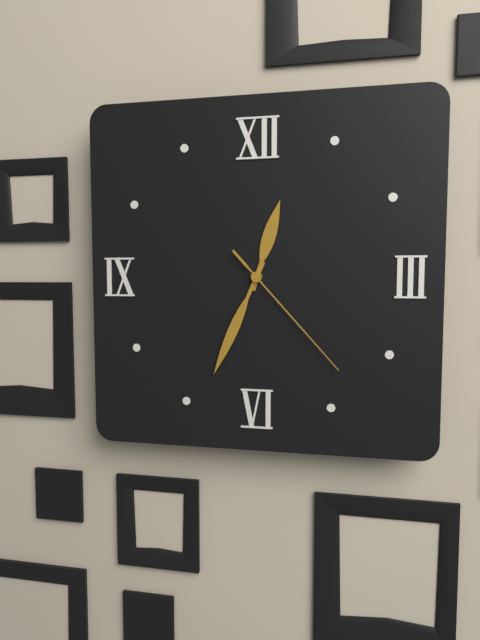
12:34:23
